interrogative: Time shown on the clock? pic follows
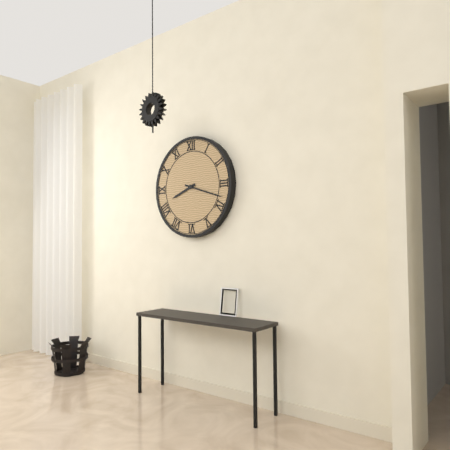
8:18
